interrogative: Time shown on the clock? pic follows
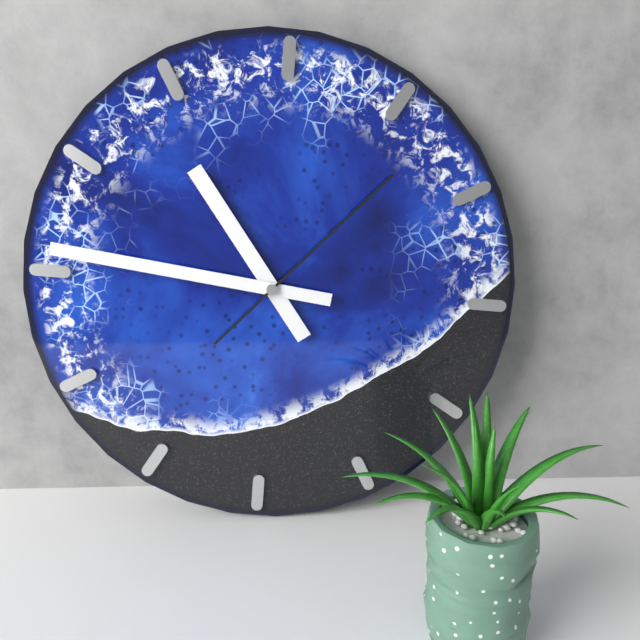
10:46:07
